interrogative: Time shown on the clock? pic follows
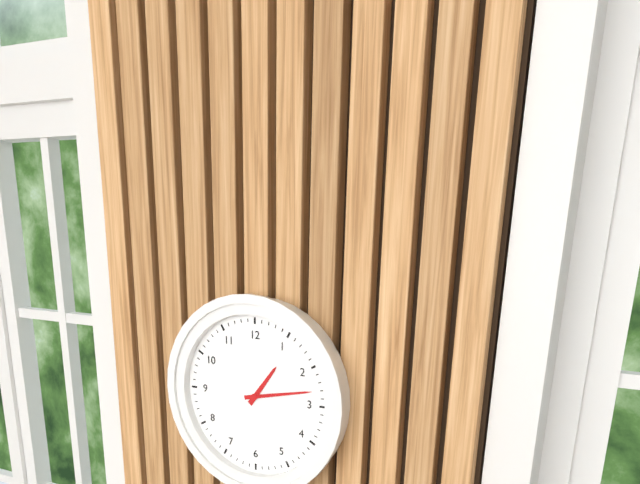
1:13
